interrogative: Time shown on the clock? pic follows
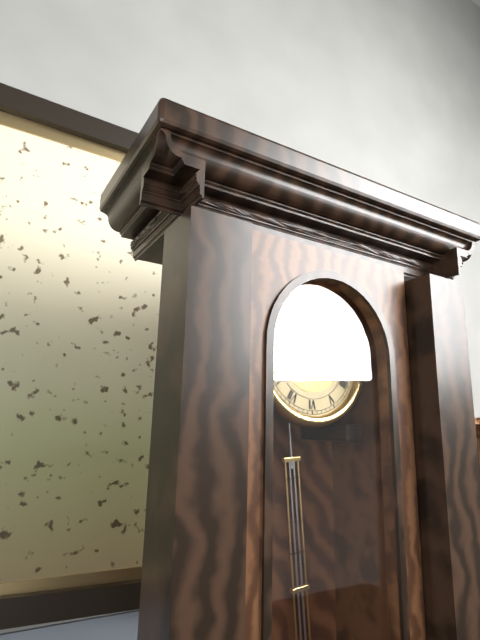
3:14
